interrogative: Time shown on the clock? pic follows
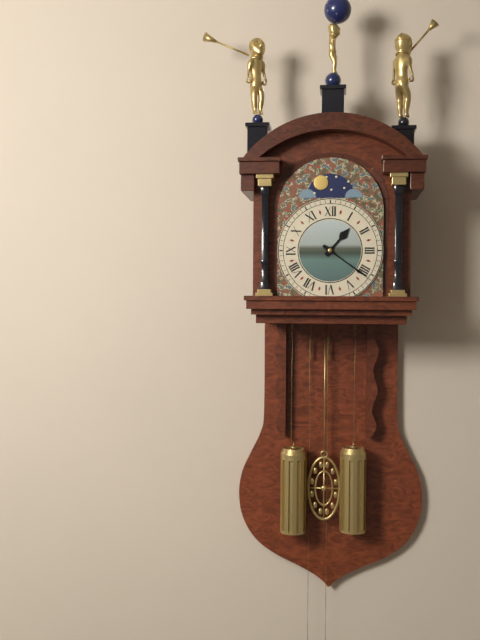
1:21
